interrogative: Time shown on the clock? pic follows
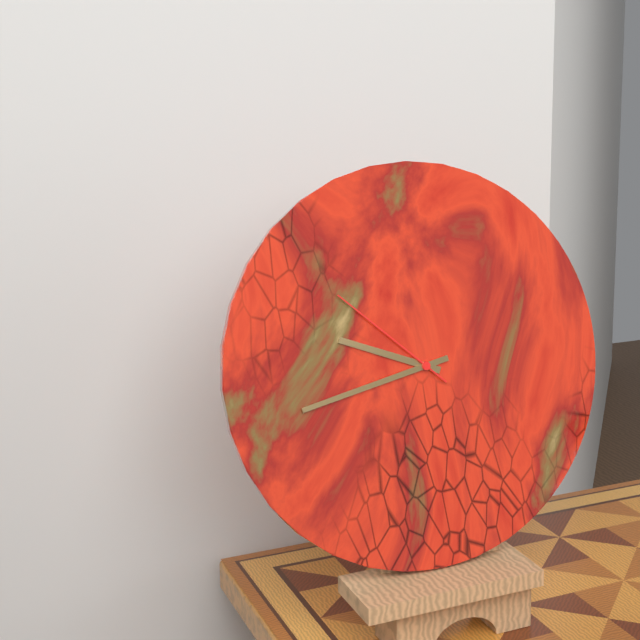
9:43:52
